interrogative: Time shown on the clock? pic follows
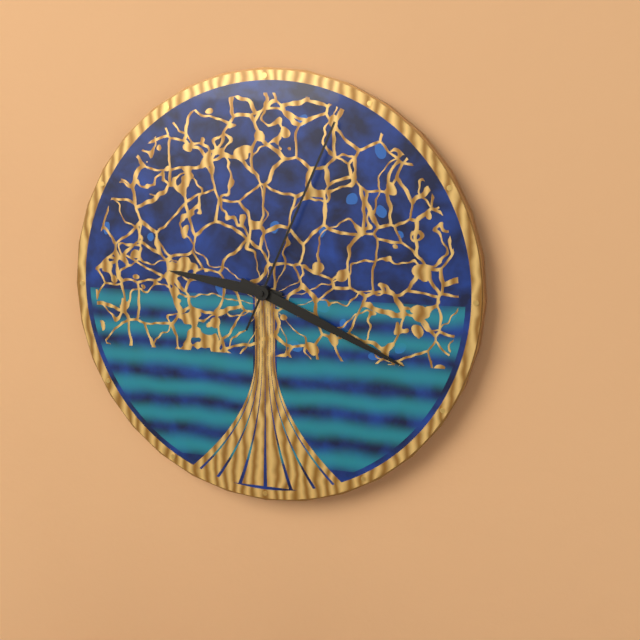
9:19:04
